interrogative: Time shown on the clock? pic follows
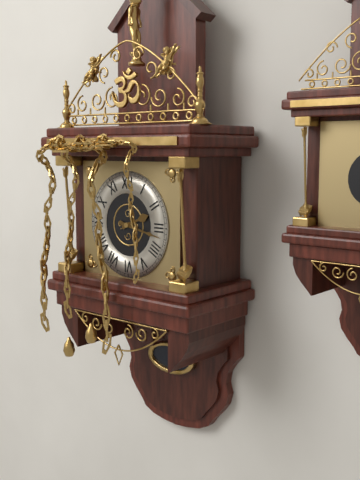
2:17
